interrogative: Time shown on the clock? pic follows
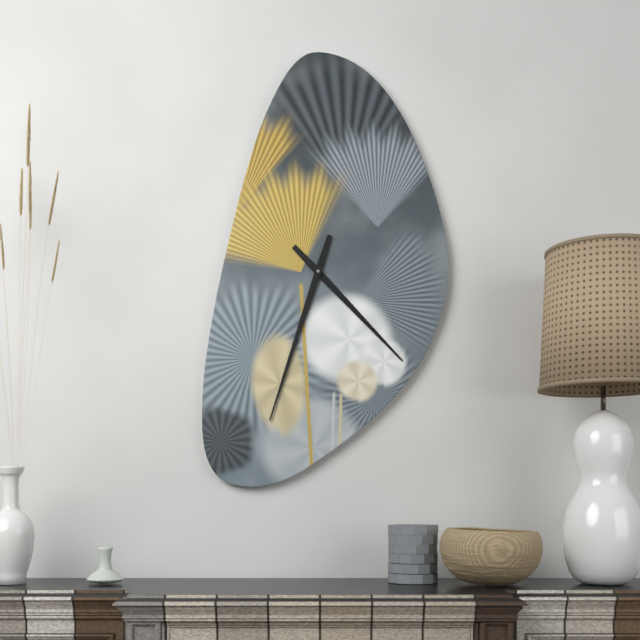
4:33
